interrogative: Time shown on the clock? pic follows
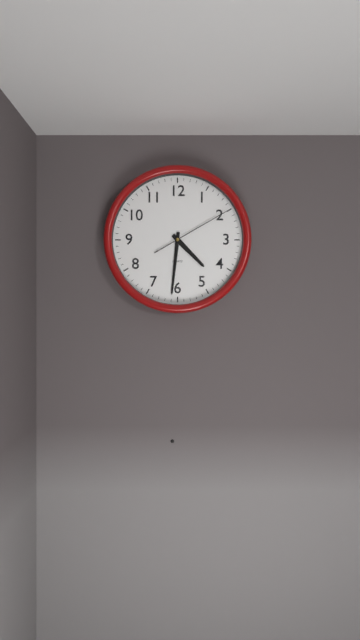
4:31:10
